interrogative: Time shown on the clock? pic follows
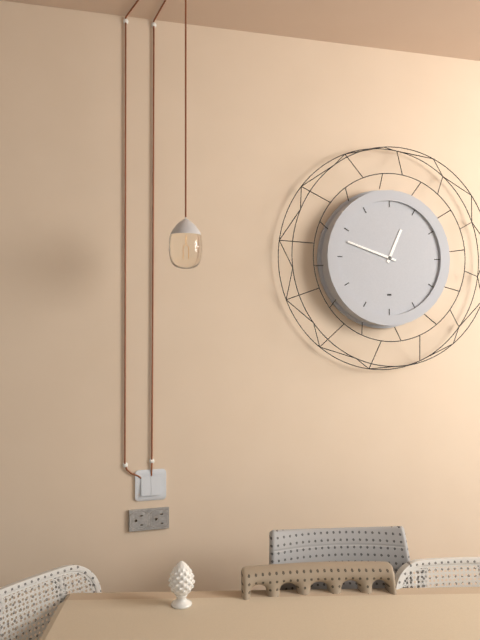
12:48
